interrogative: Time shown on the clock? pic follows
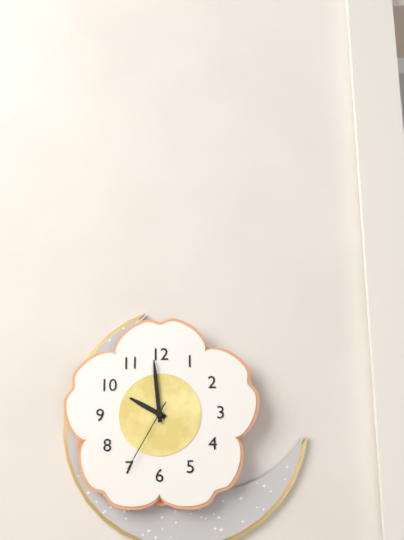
9:59:35
